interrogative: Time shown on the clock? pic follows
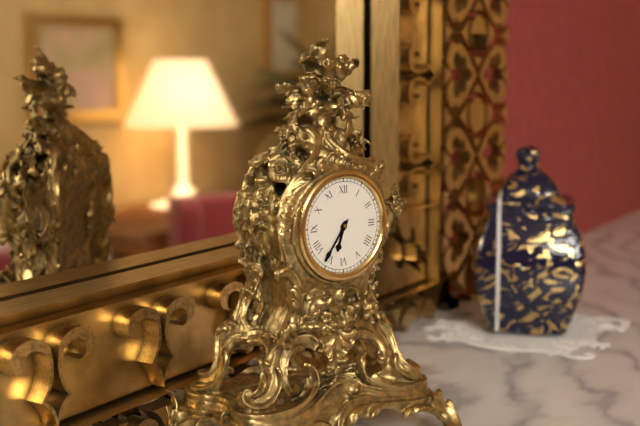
6:36
